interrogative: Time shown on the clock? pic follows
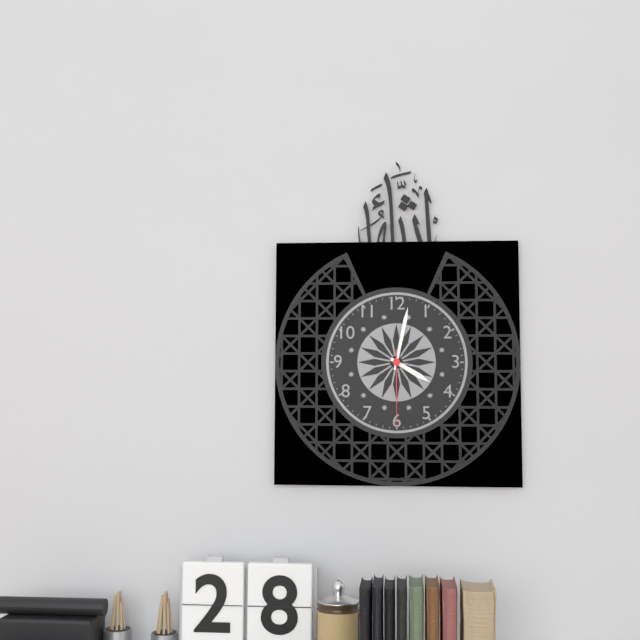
4:02:30
